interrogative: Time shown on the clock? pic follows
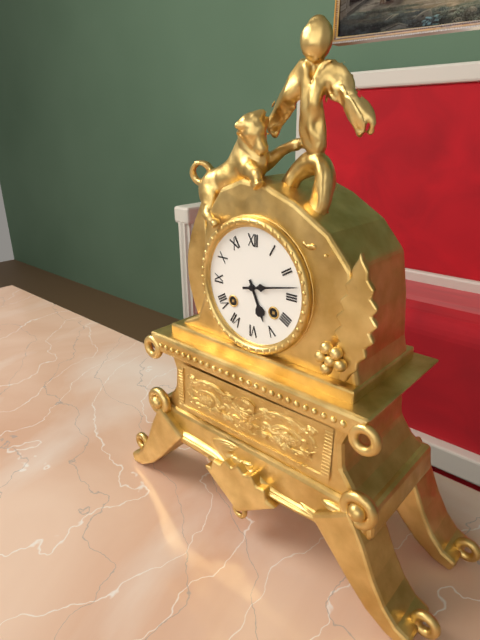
5:13
